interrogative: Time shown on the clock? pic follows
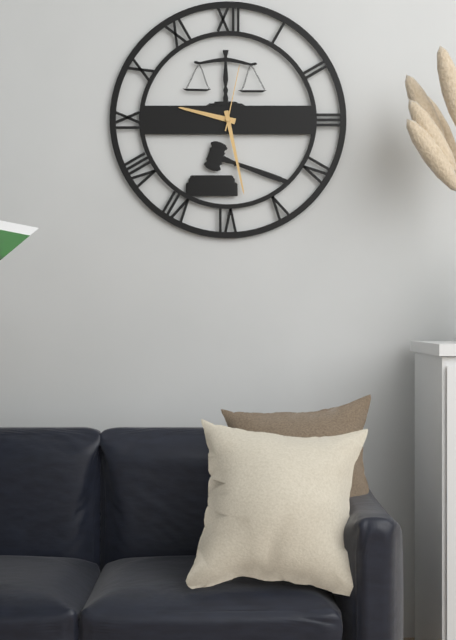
9:28:02
